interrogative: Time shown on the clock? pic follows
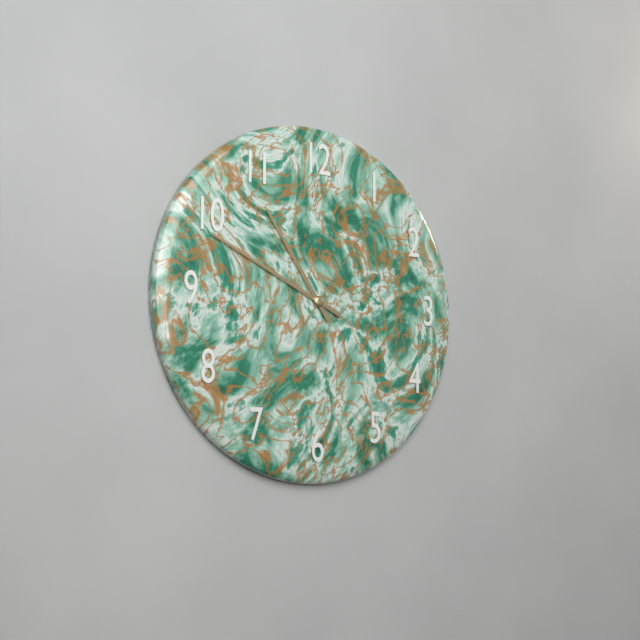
10:49:06
